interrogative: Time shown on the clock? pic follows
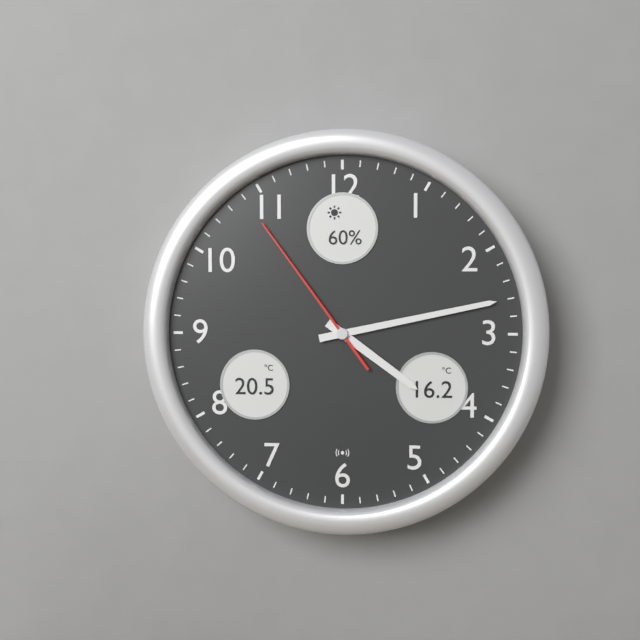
4:13:54
